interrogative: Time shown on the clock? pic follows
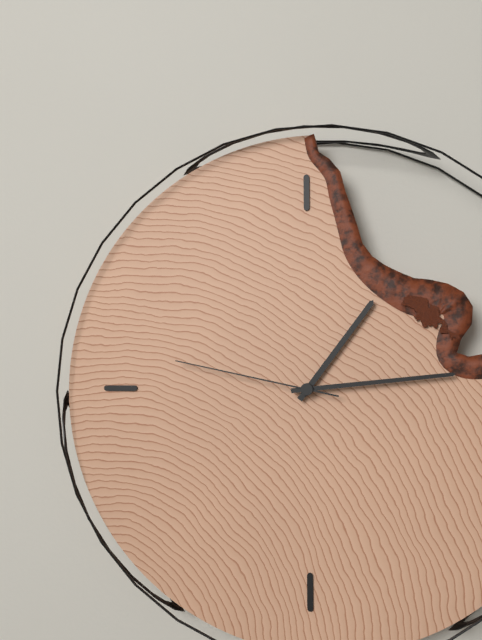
1:14:47
